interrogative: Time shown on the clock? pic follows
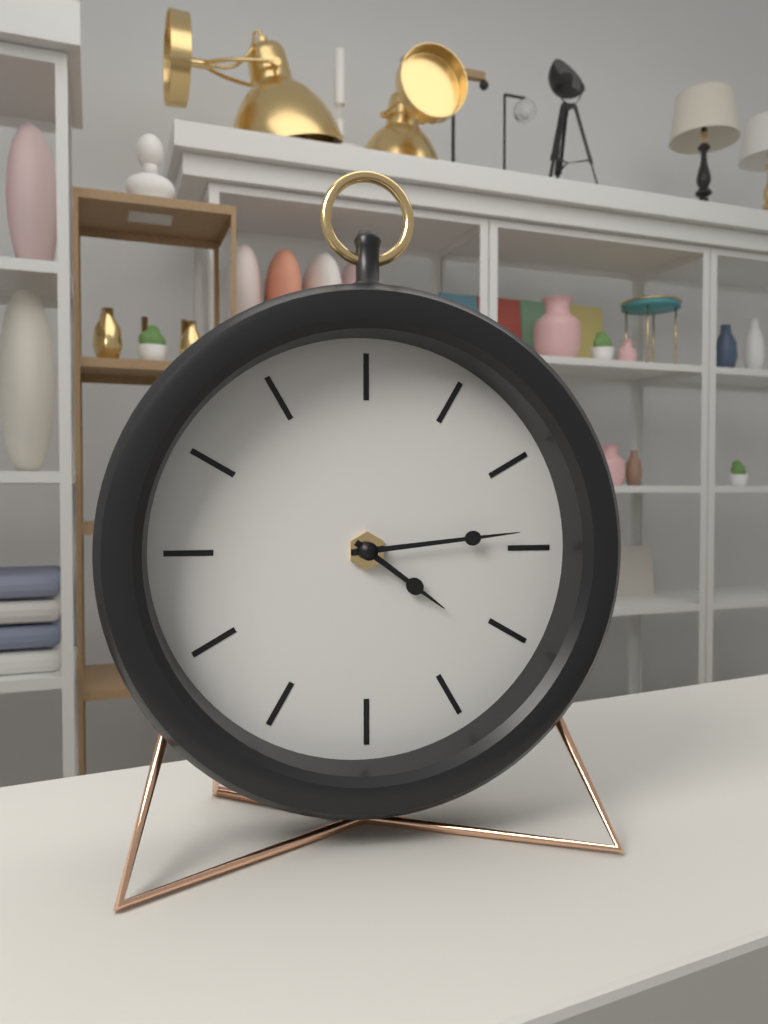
4:14
